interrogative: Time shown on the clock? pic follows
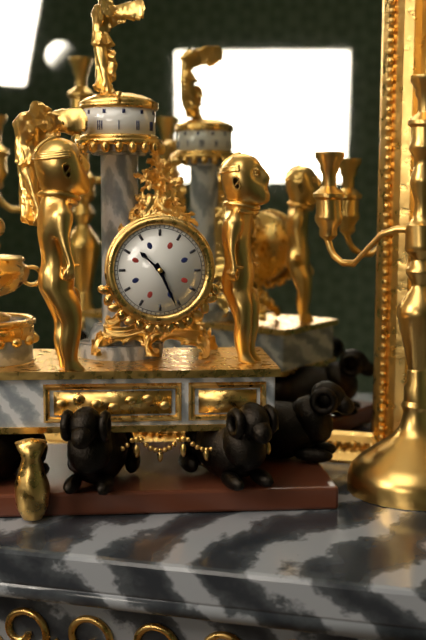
10:26
